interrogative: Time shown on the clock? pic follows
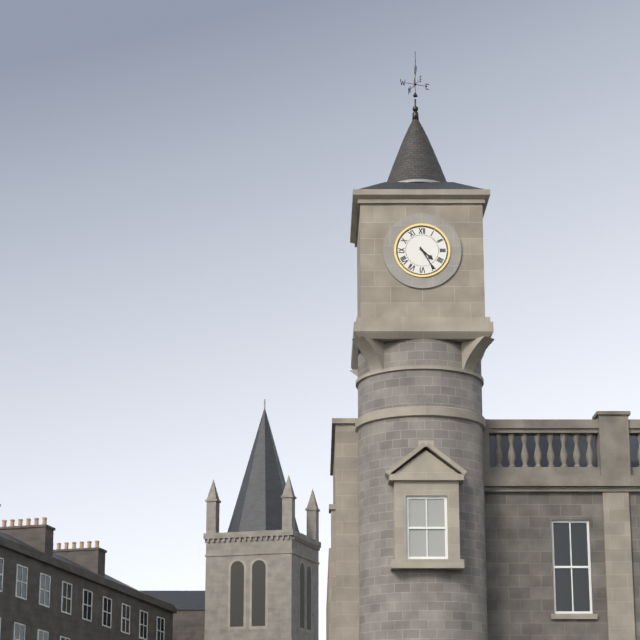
4:25
